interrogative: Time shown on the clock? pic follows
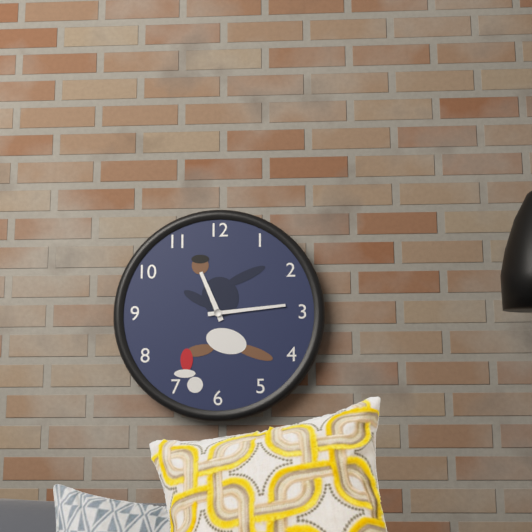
11:14
